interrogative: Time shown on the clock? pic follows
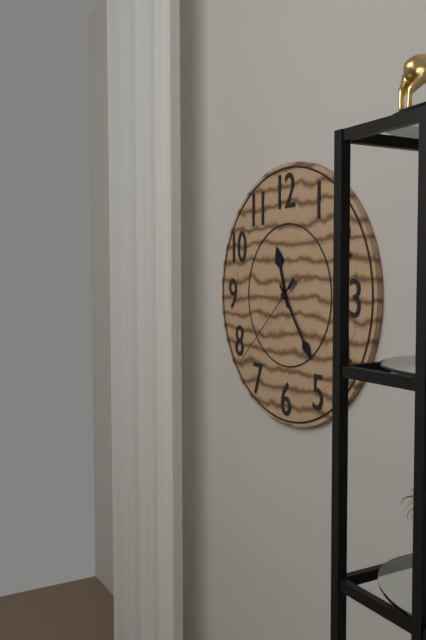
11:24:38
